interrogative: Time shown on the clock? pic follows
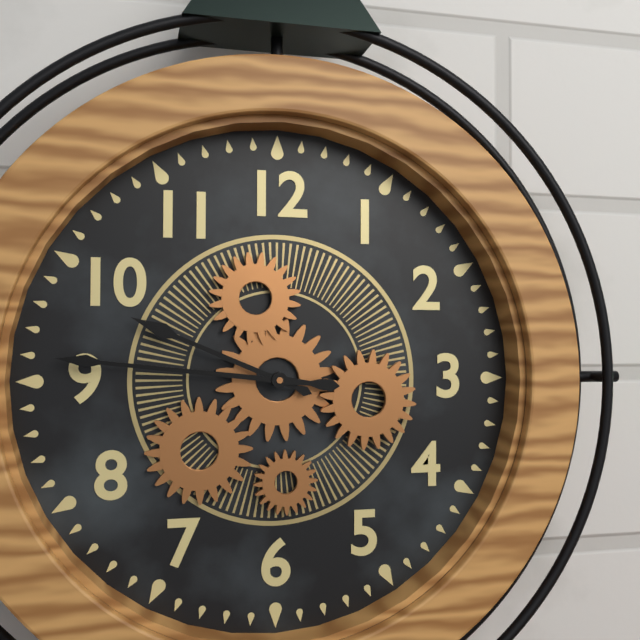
9:46
